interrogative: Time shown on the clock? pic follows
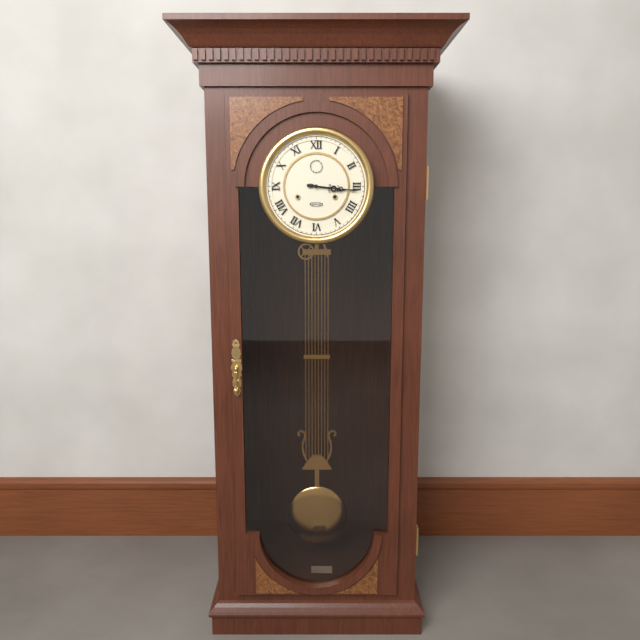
3:16
